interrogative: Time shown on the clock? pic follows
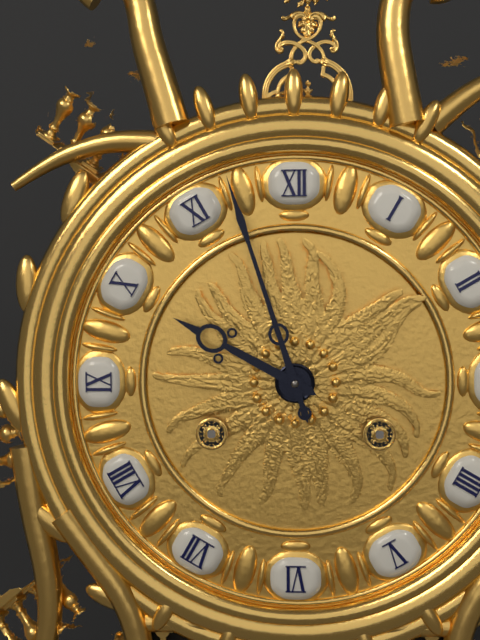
9:57
